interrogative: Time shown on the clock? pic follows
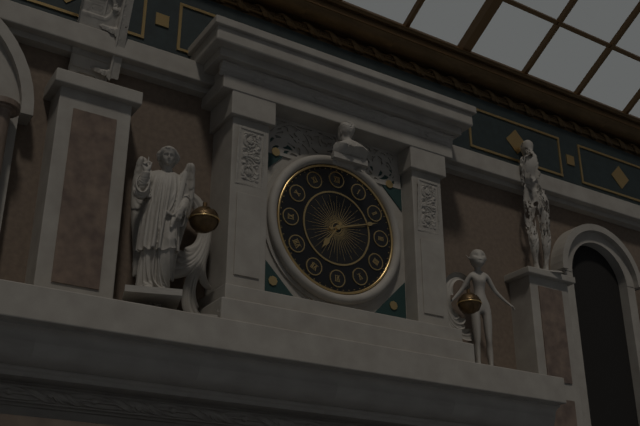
7:12
